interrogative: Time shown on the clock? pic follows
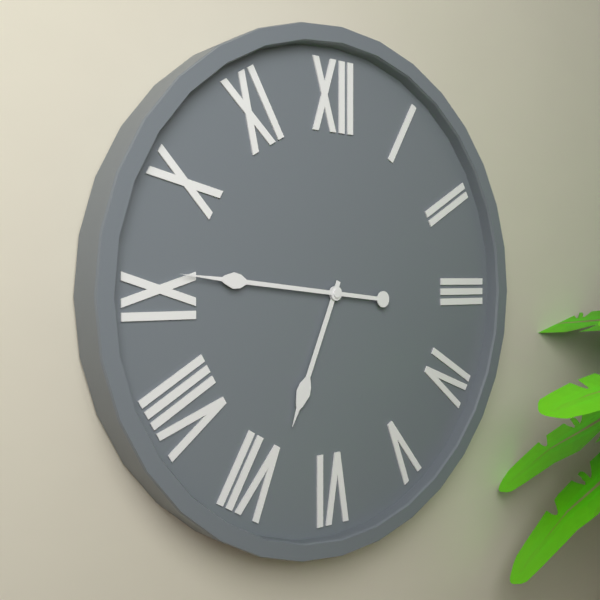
6:46
